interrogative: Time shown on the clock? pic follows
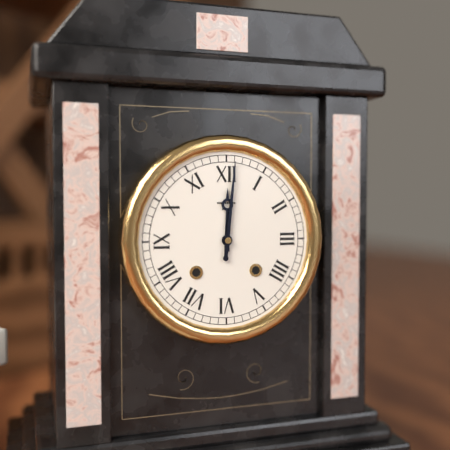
12:01
